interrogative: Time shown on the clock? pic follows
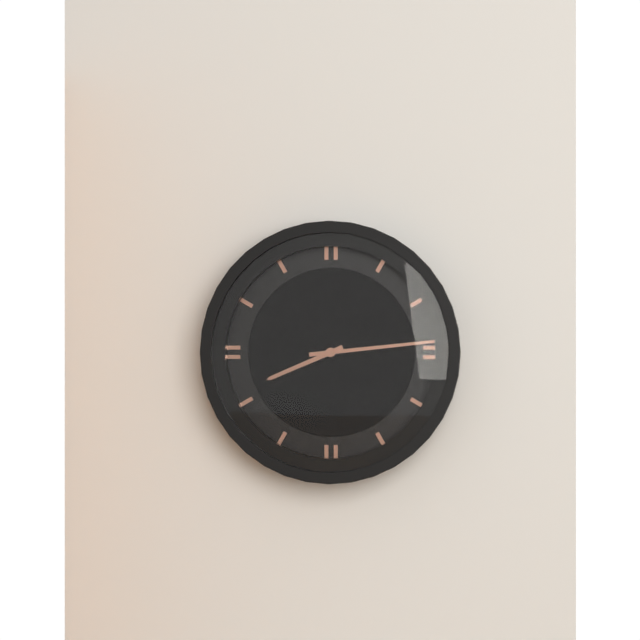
8:14
